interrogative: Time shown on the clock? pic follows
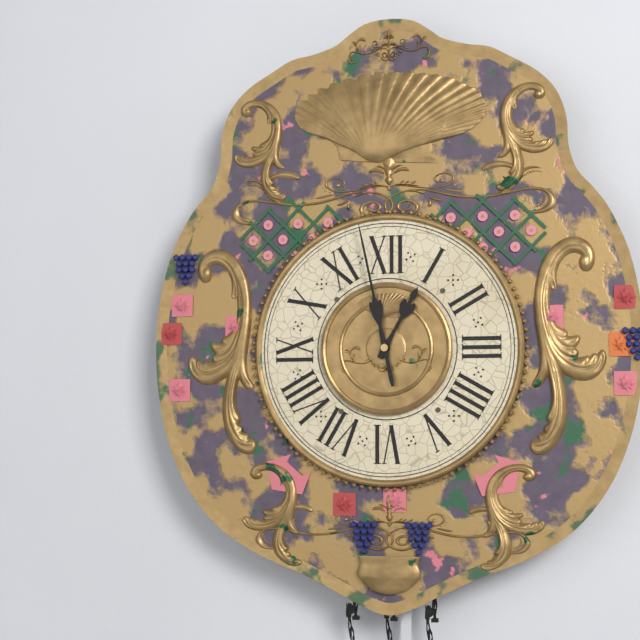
12:58
